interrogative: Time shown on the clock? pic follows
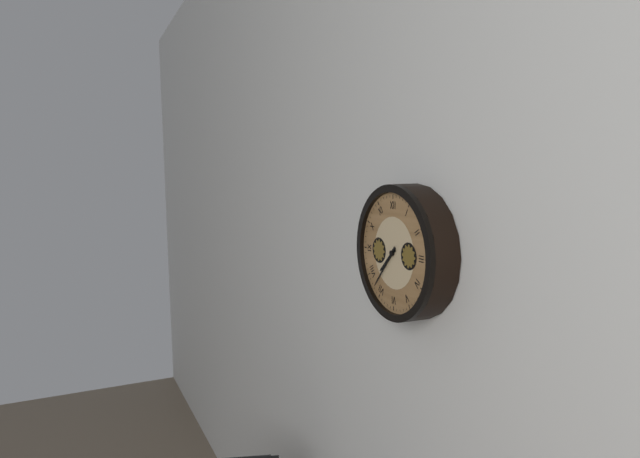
7:37
